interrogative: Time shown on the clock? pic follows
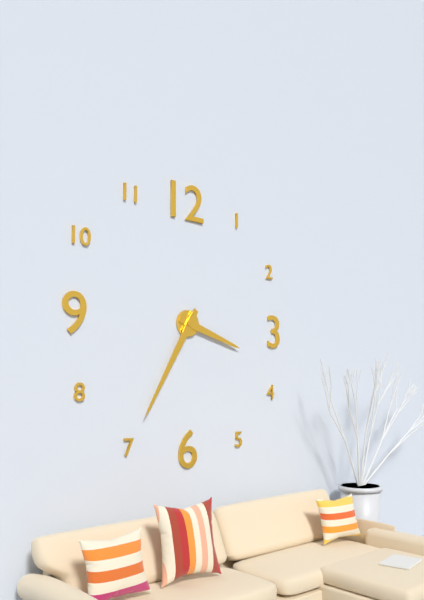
3:35
